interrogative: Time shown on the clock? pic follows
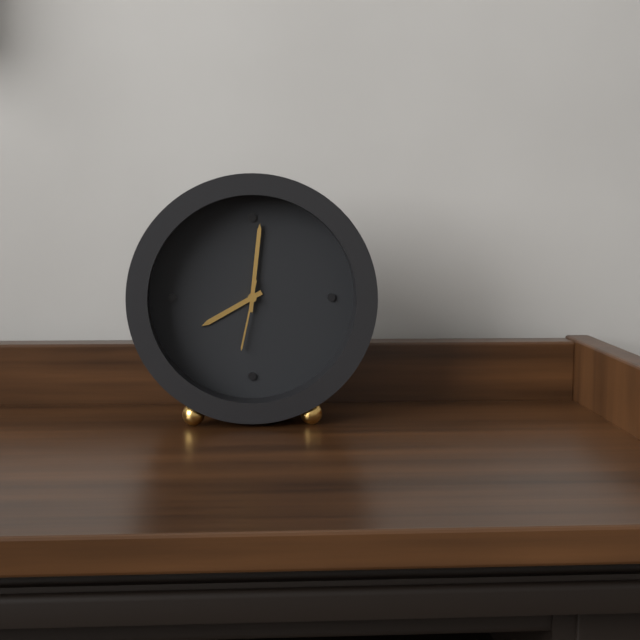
8:01:32
